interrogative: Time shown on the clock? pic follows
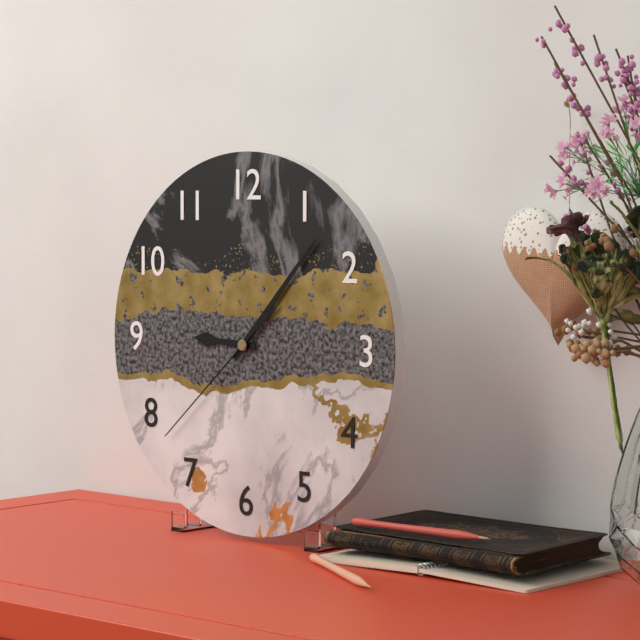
9:07:38
